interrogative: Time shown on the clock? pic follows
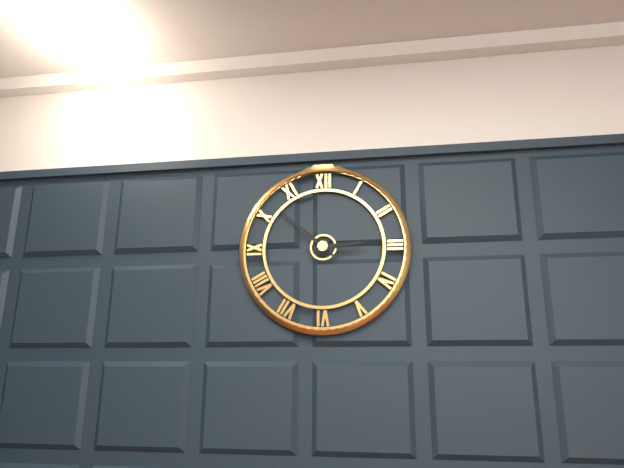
2:52
